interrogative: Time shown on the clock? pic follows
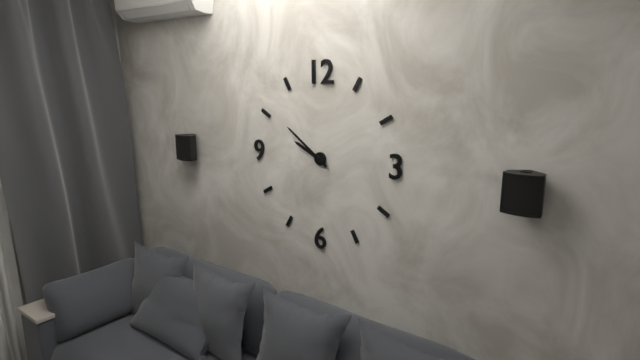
9:51
